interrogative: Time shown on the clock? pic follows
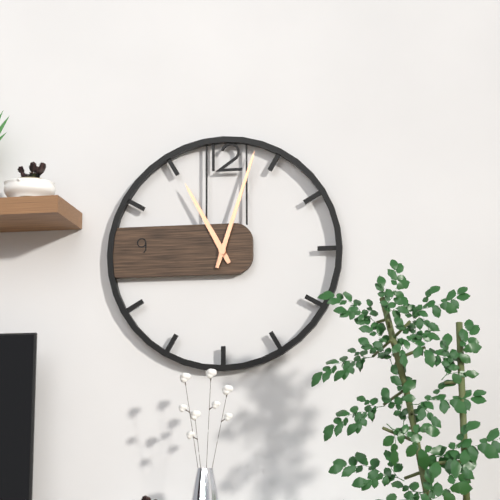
11:03
